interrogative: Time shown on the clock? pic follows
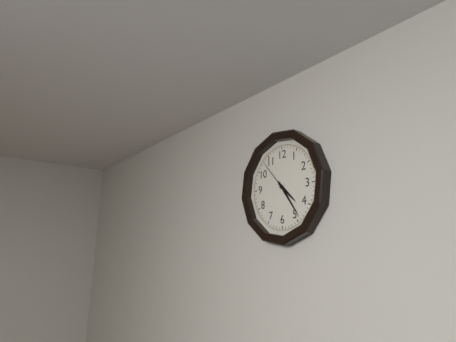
4:24
